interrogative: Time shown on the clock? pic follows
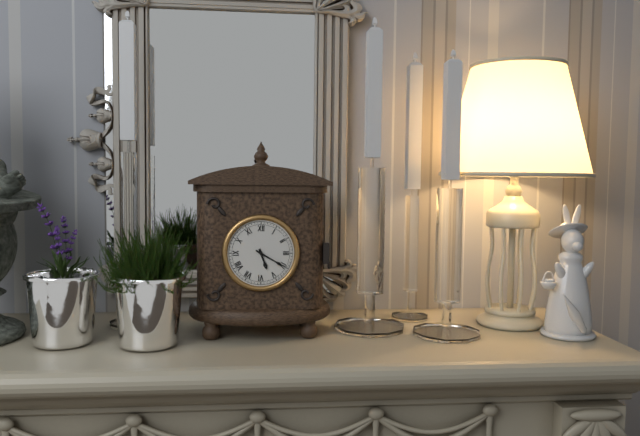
5:20
